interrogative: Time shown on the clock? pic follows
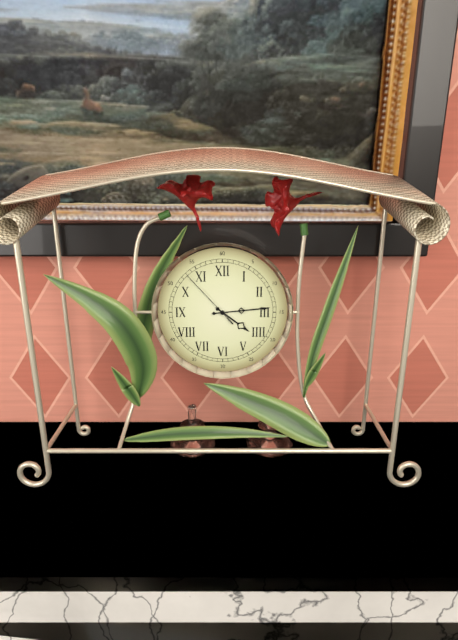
4:14:53
